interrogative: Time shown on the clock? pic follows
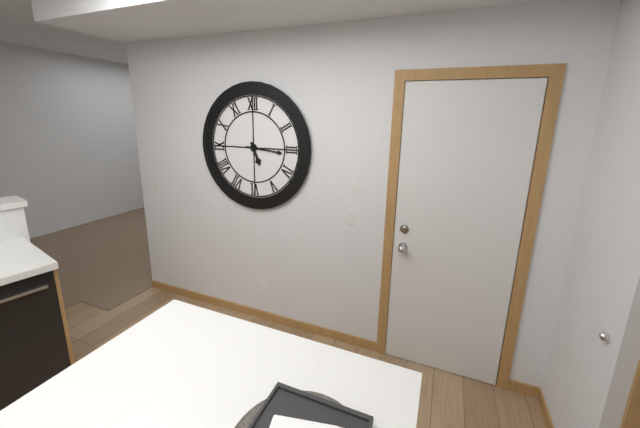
5:16
